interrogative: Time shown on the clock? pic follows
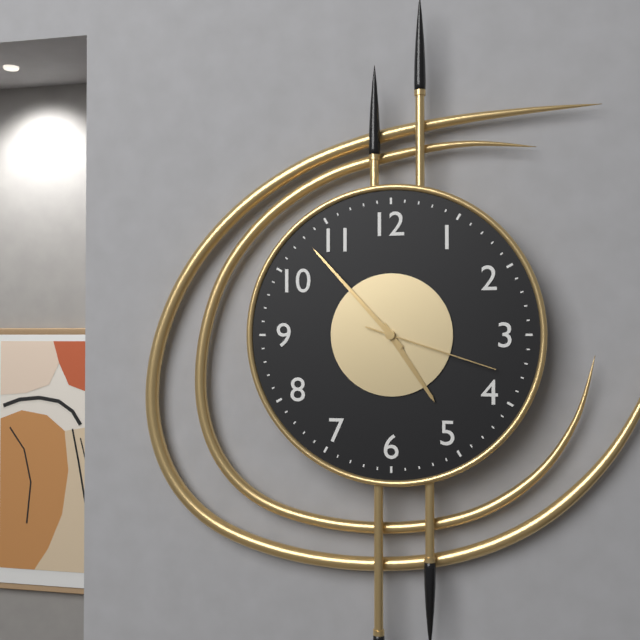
4:53:18
